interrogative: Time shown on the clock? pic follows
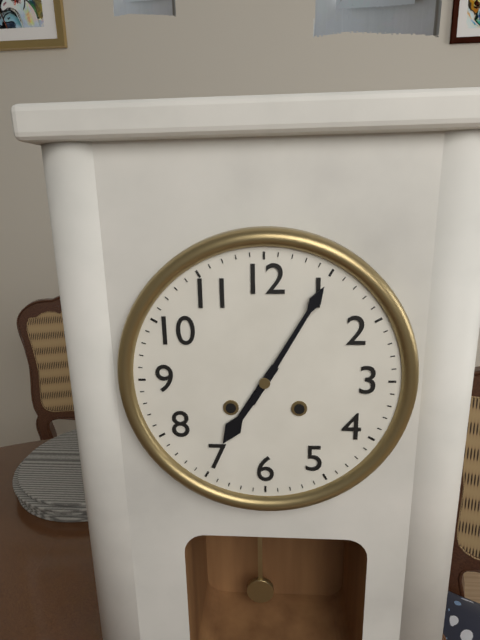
7:05
